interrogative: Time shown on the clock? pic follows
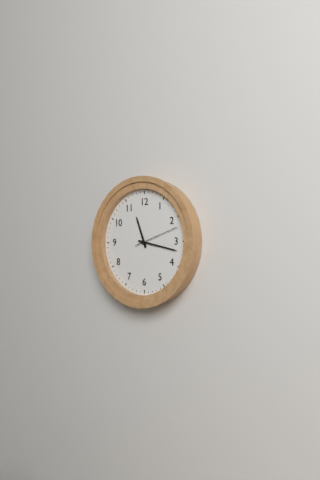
11:17
